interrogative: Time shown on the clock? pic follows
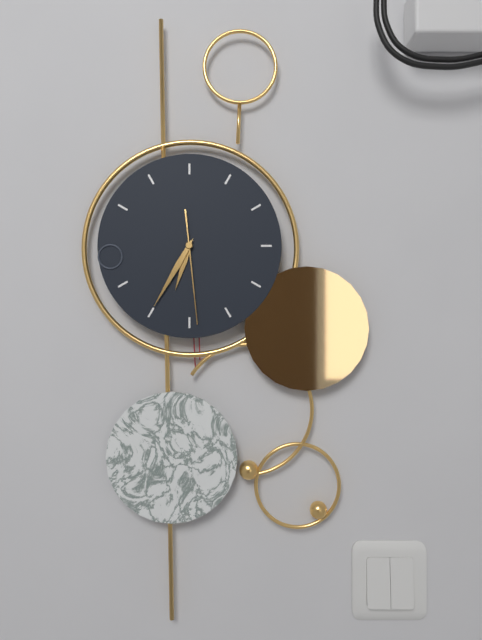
6:35:29
